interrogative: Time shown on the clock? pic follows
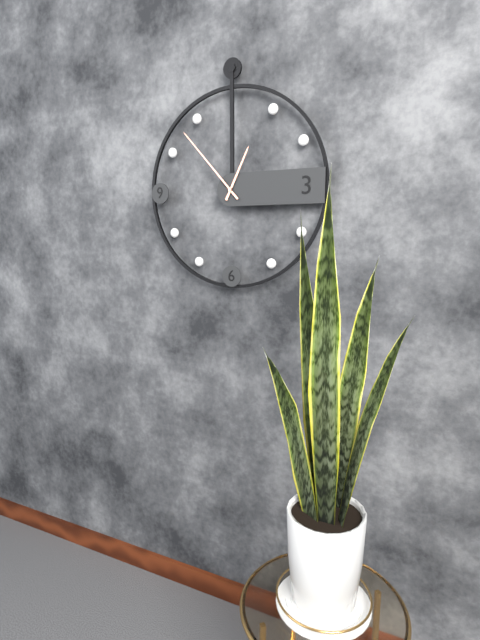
12:53
